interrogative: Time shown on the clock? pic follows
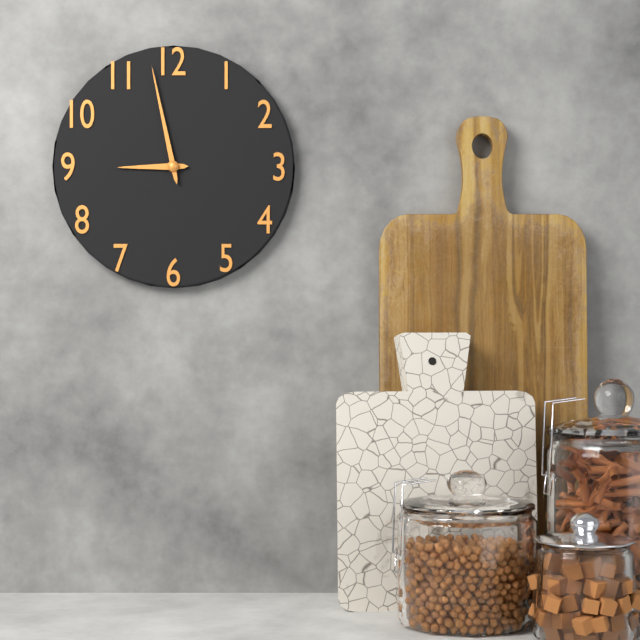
8:58
